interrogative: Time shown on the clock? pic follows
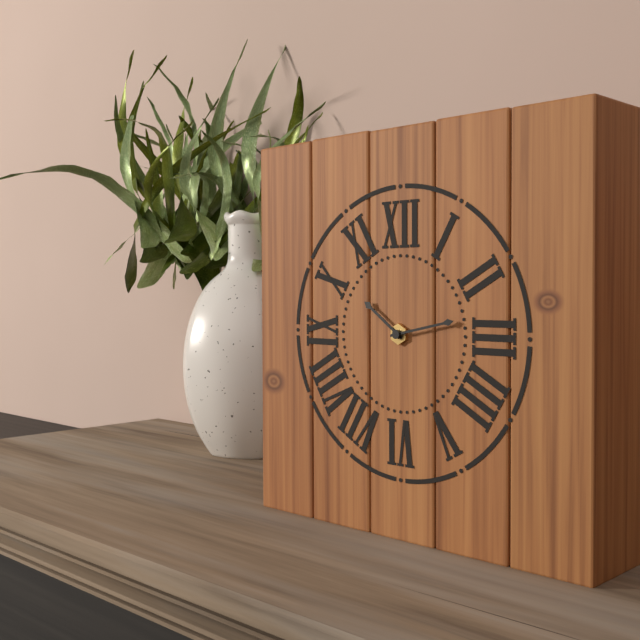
10:13
